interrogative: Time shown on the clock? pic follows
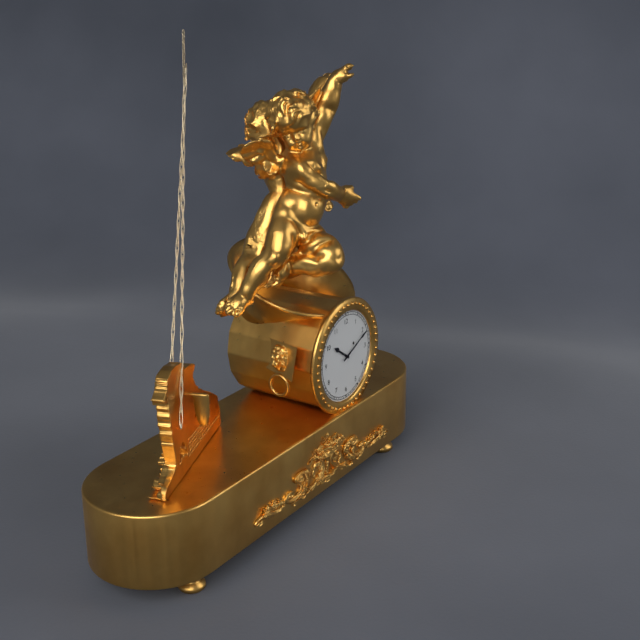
10:11
